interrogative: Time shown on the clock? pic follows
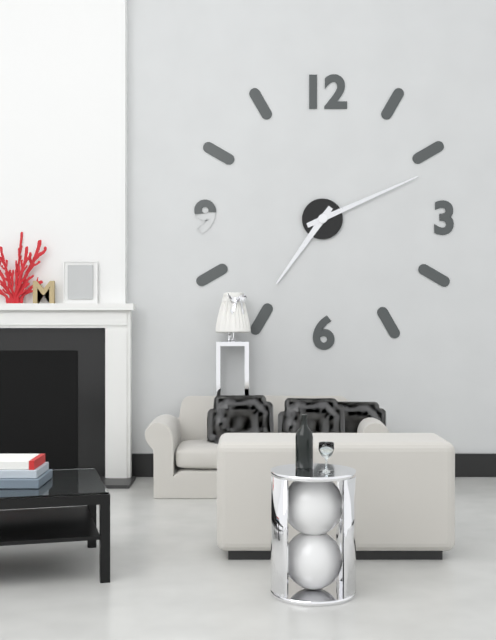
7:11
